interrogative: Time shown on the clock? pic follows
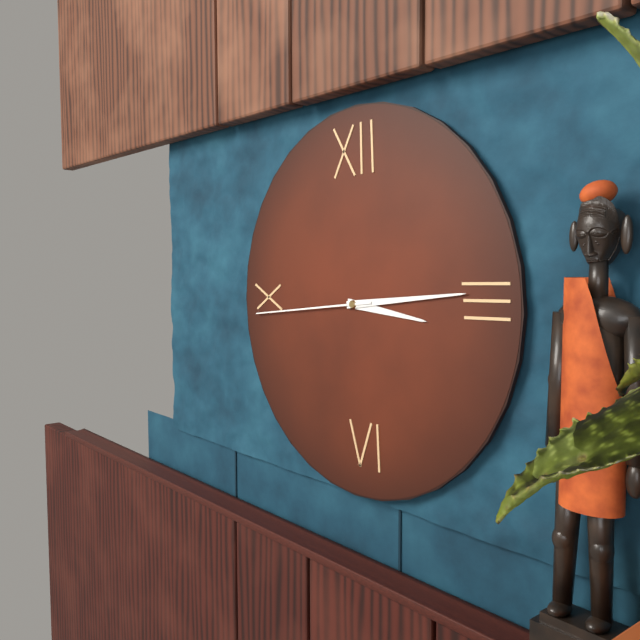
3:14:44
